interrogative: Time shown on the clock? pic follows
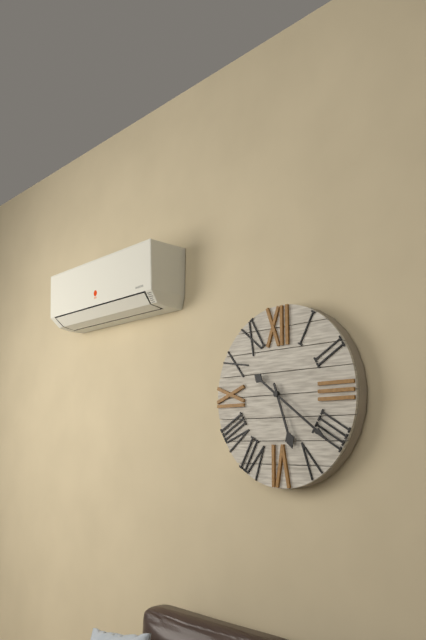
5:21
